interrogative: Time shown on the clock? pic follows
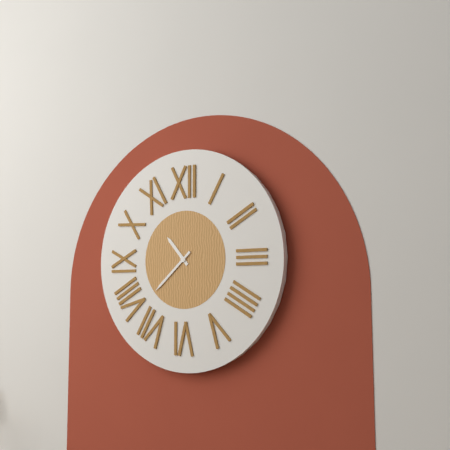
10:38
